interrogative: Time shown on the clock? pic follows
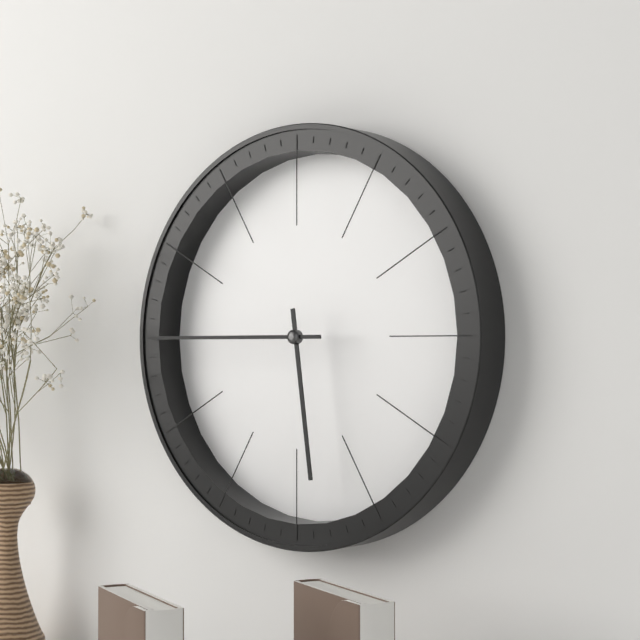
5:45
